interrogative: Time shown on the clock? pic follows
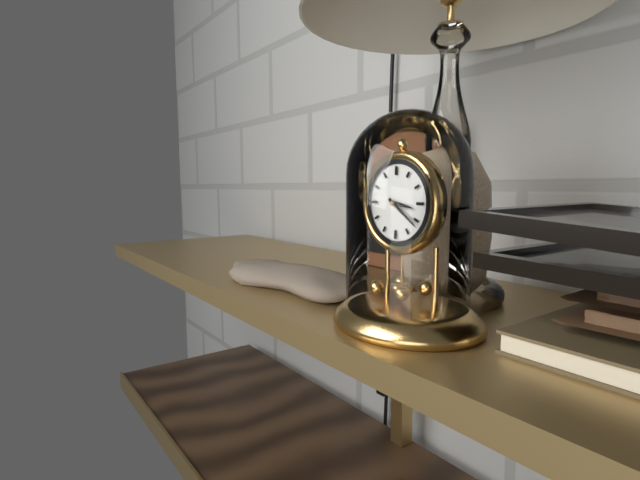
3:21
